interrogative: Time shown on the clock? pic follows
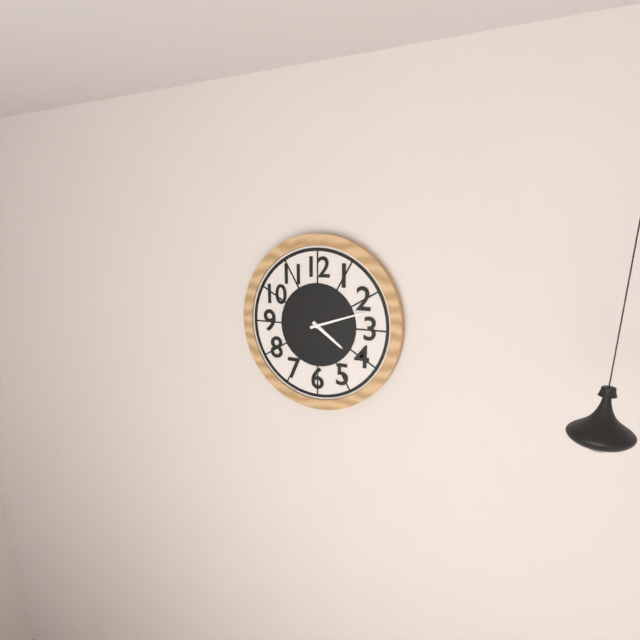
4:12
